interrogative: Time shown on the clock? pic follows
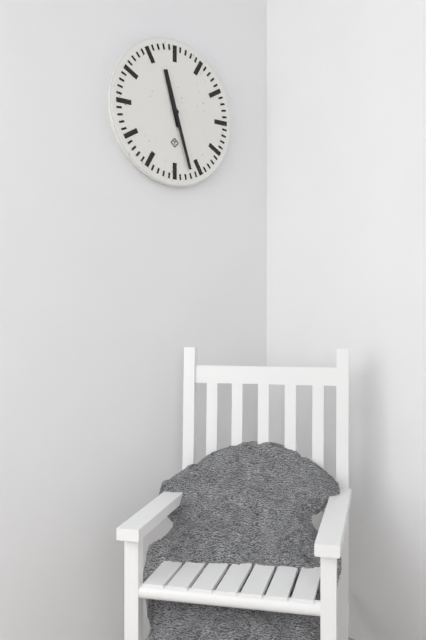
11:27
